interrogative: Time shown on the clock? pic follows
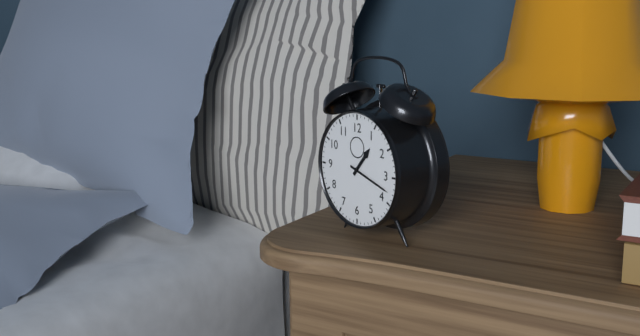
1:18
